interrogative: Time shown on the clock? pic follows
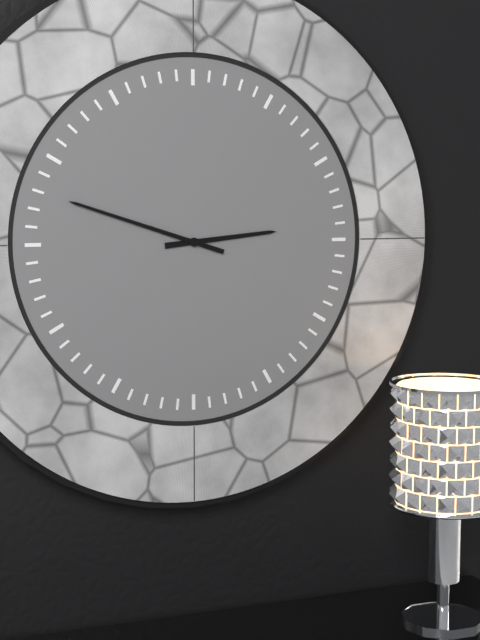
2:48
